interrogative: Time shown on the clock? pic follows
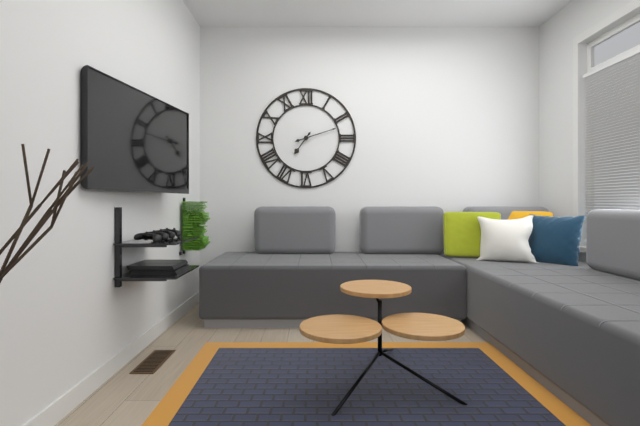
7:12
